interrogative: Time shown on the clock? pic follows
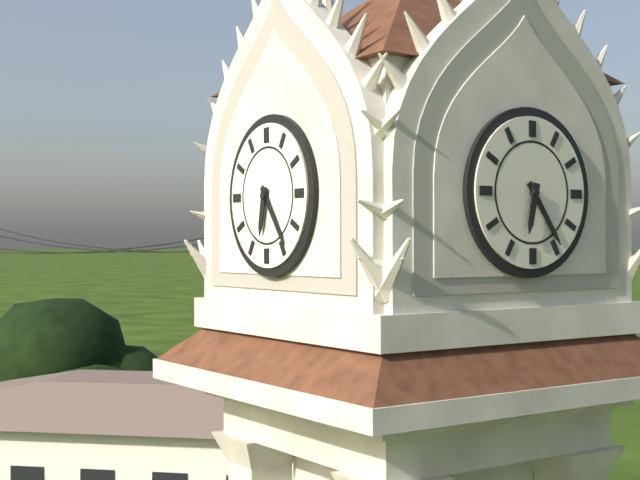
6:24
